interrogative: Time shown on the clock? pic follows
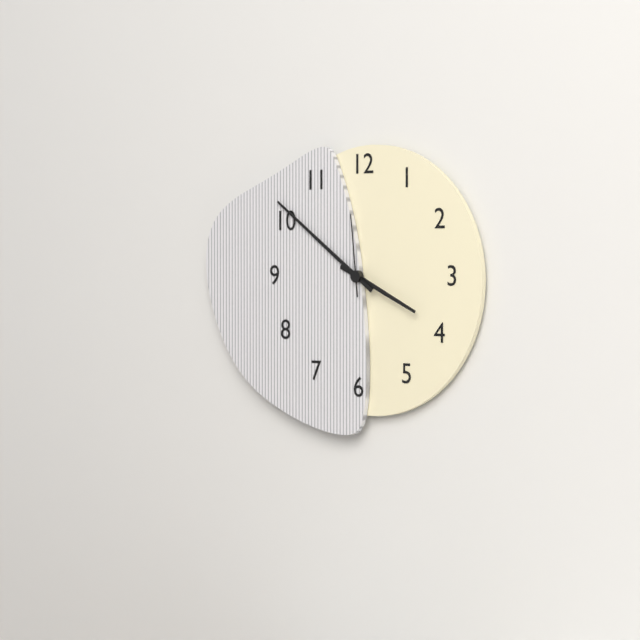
3:51:59
